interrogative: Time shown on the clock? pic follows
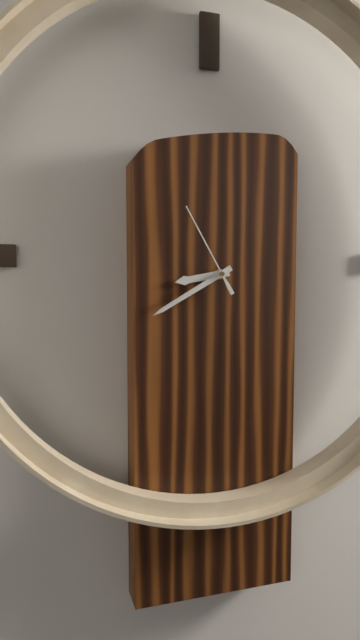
8:40:55
